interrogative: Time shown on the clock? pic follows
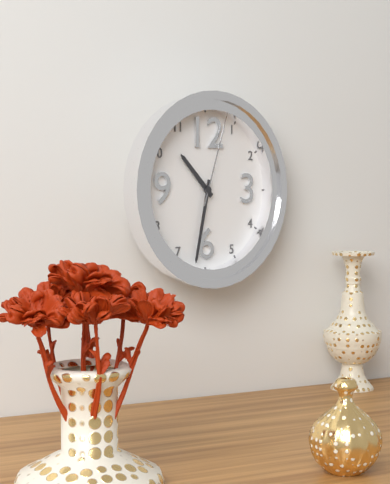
10:32:03
